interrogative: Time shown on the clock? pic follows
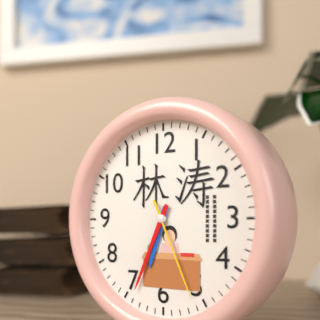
6:34:26
